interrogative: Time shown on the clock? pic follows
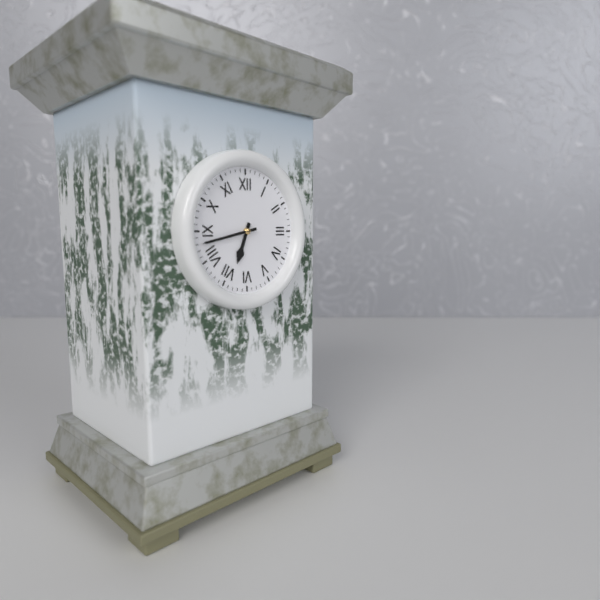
6:43
